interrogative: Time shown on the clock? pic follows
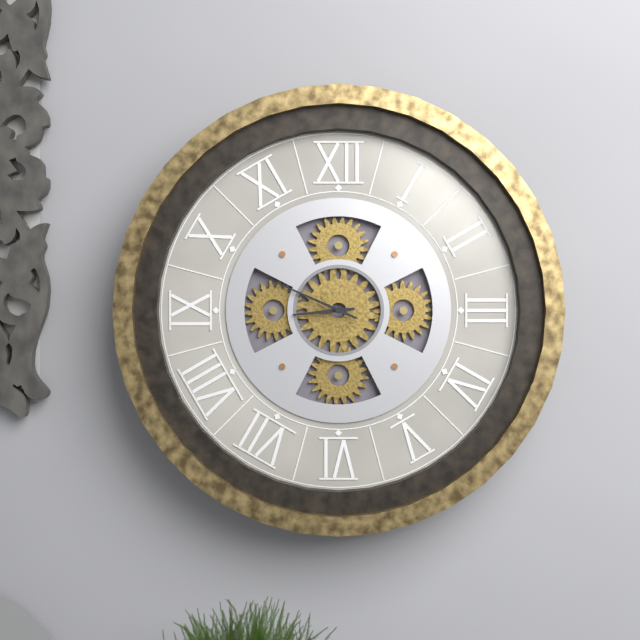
8:49
